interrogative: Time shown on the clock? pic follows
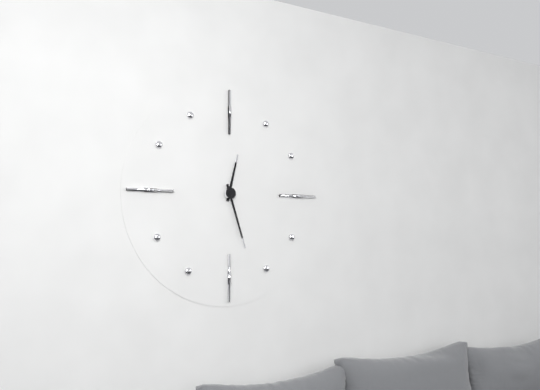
12:27
